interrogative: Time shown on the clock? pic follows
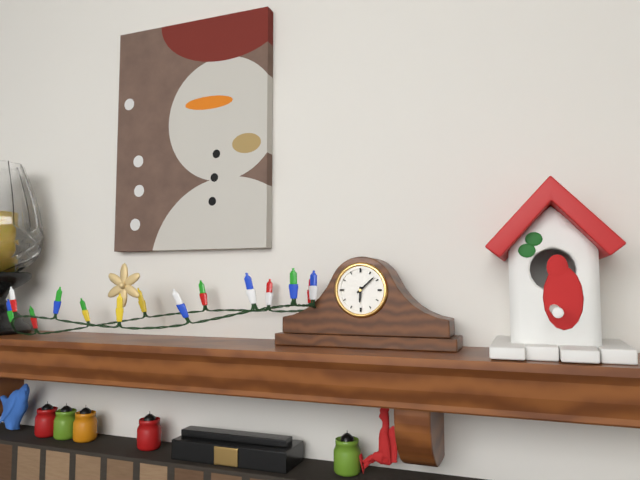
6:08
